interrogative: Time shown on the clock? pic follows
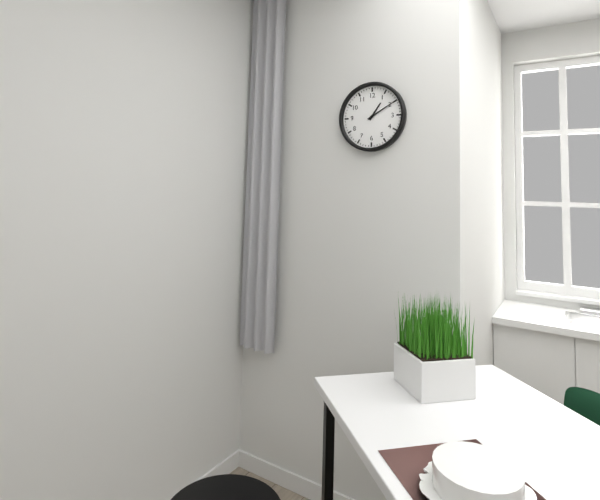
1:10
